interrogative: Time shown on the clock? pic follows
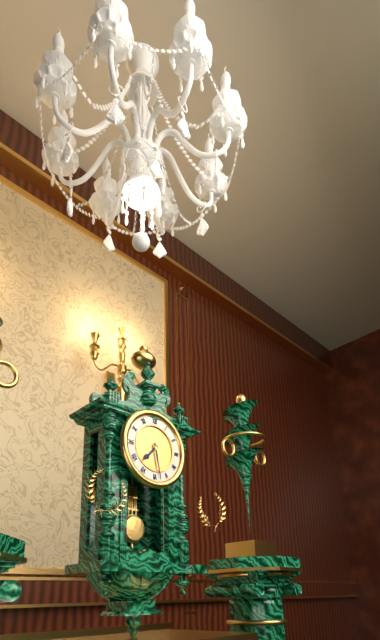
7:28
